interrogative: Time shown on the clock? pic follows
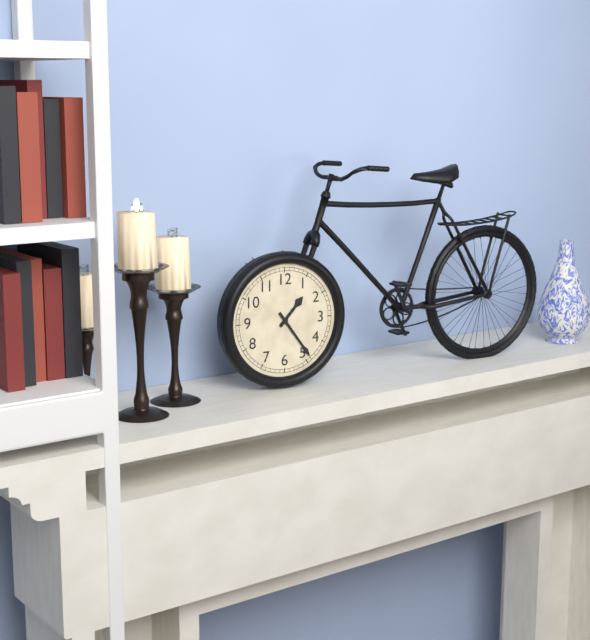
1:24
